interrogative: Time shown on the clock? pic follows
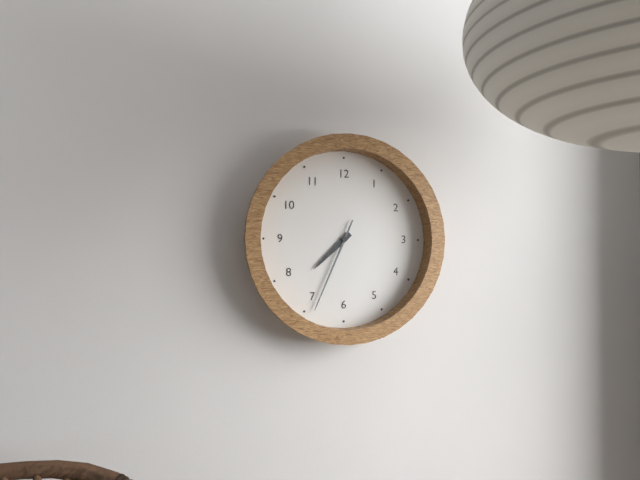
7:34
